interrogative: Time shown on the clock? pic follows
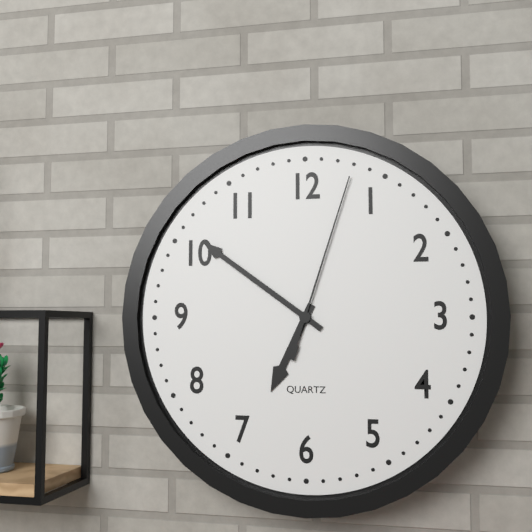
6:51:03
